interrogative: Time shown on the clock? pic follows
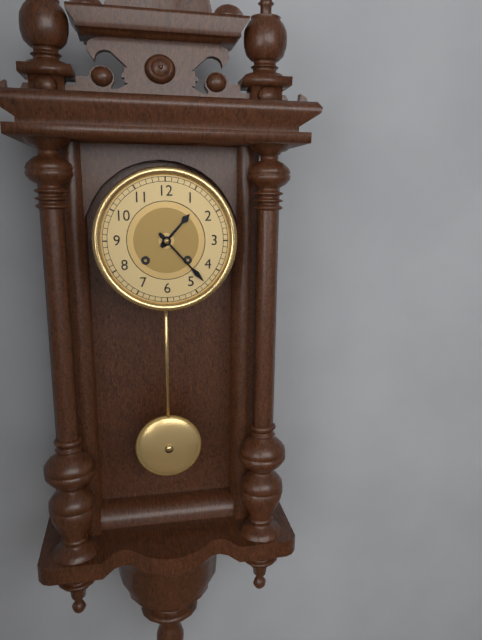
1:23
